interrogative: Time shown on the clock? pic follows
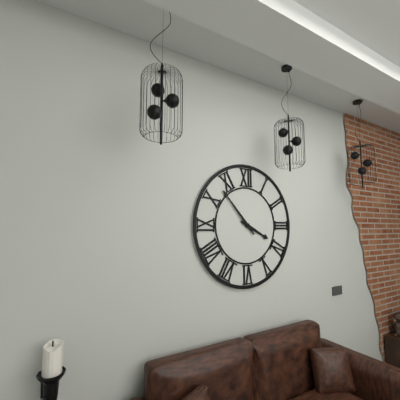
3:53
